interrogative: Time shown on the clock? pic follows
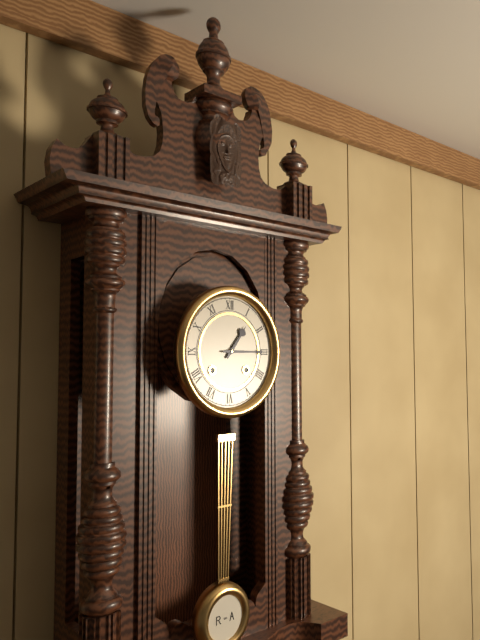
1:15
